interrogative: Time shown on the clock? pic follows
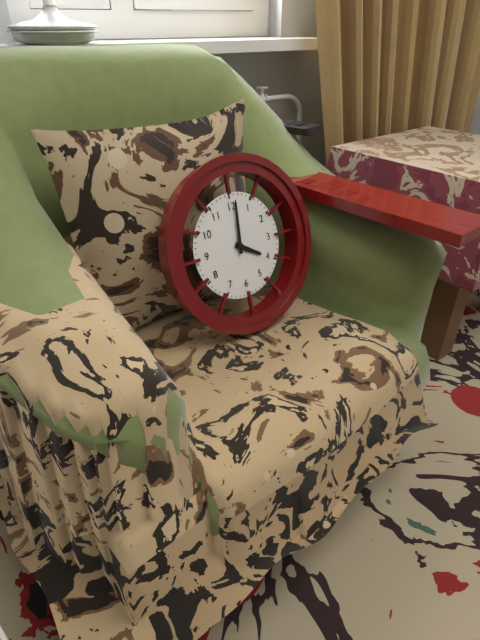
4:01
